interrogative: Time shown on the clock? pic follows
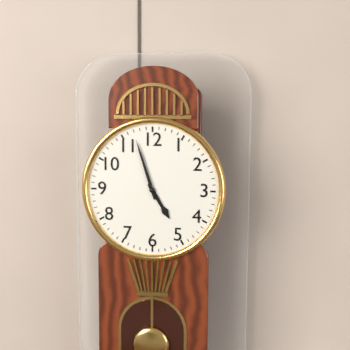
4:57
